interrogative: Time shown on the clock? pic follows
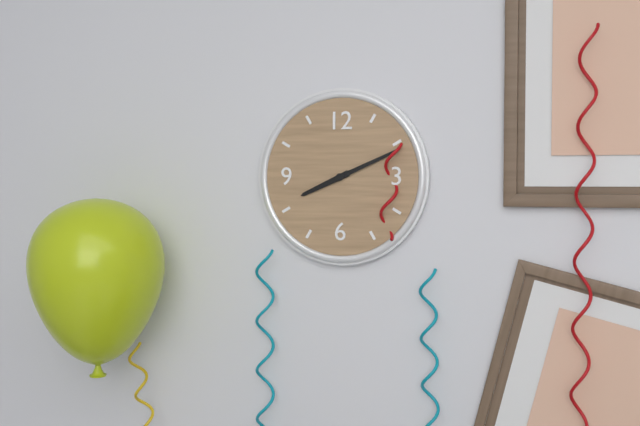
8:11
